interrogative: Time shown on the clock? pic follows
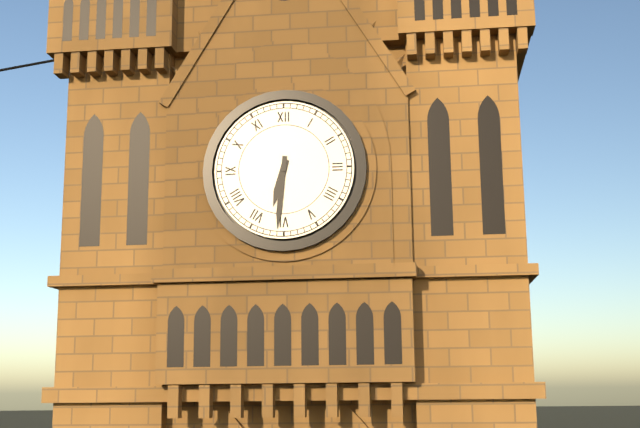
6:31
